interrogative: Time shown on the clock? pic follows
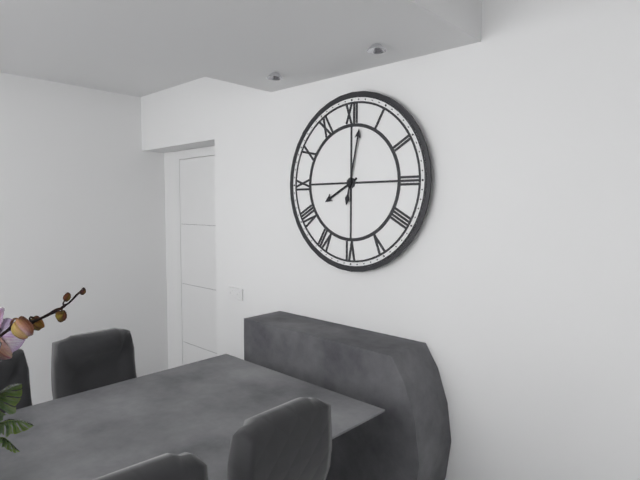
8:02
